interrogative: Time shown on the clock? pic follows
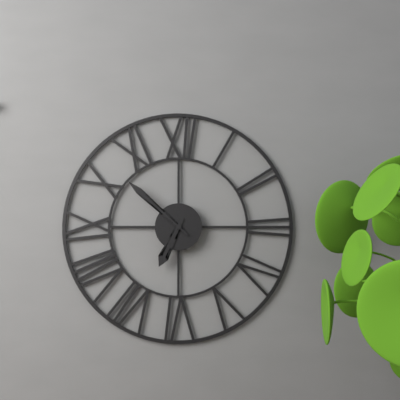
6:52
